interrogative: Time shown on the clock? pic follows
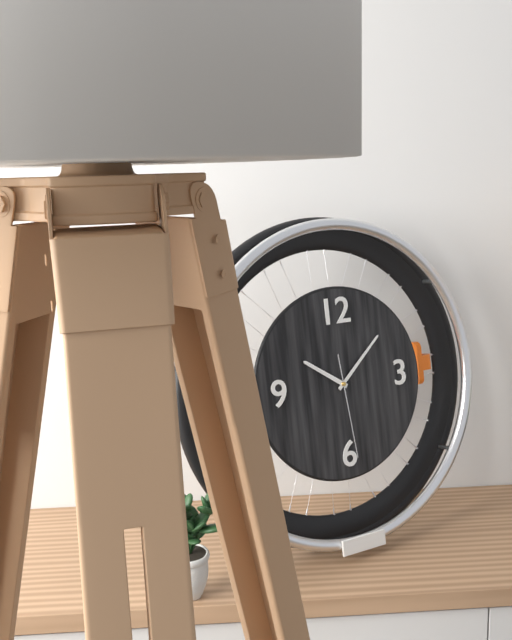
10:08:29
